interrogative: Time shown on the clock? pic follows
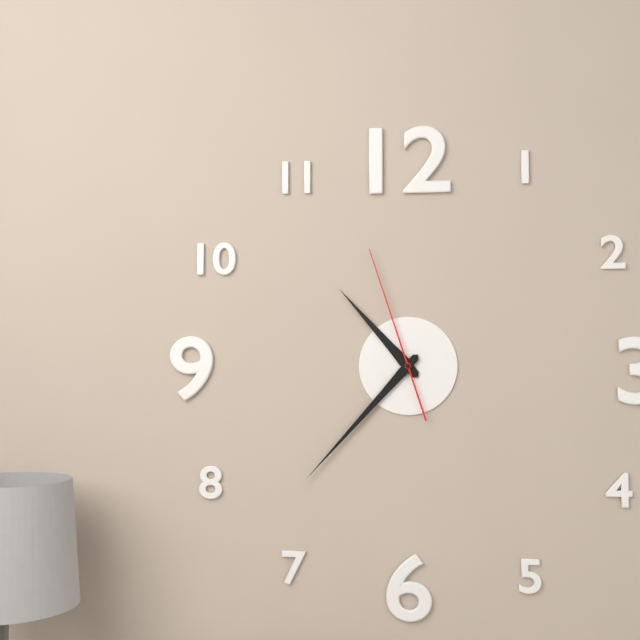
10:37:57
